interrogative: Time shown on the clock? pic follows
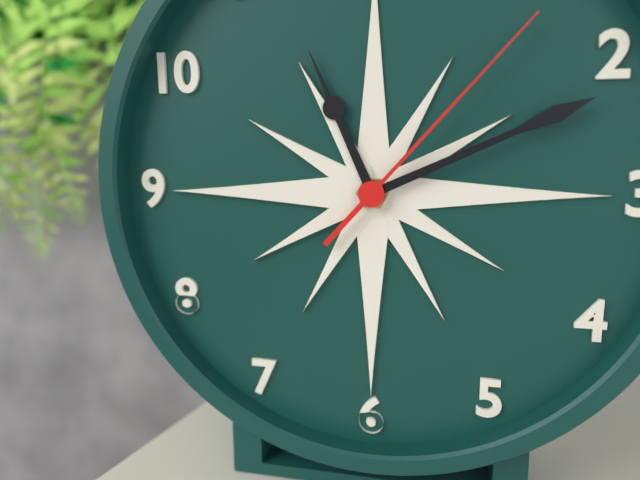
11:11:07
